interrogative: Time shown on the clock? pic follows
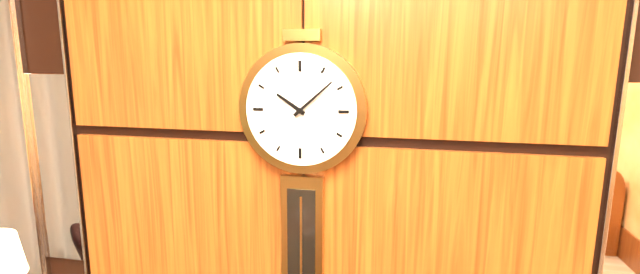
10:08
